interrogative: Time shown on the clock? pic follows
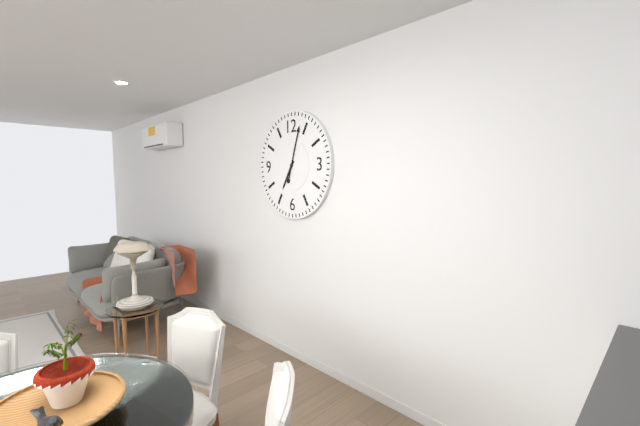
7:03
